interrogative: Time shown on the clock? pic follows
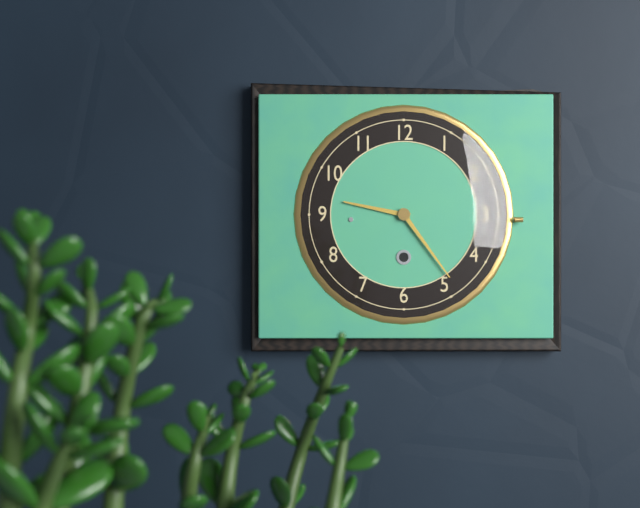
9:24
